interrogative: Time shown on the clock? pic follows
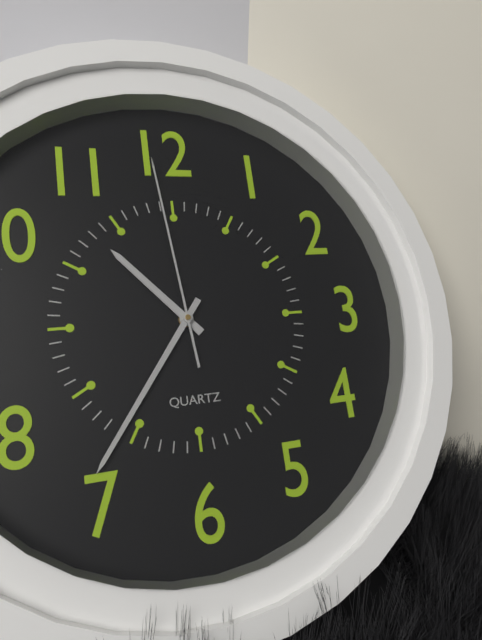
10:36:59
